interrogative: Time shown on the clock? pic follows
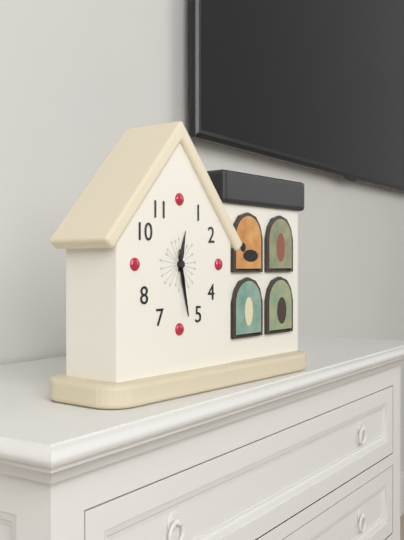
12:28:28
